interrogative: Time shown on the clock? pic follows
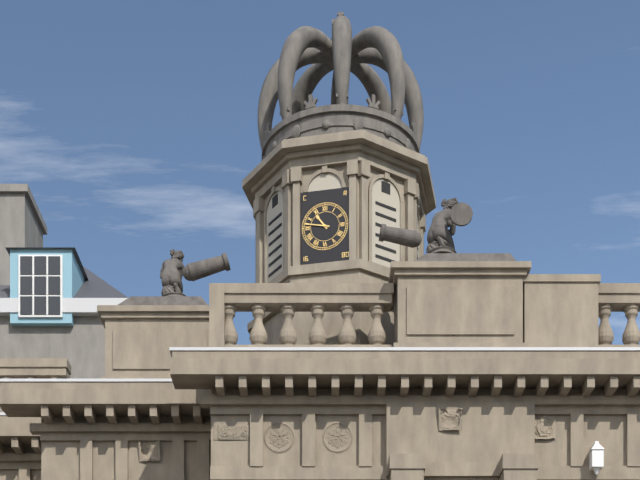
10:47
